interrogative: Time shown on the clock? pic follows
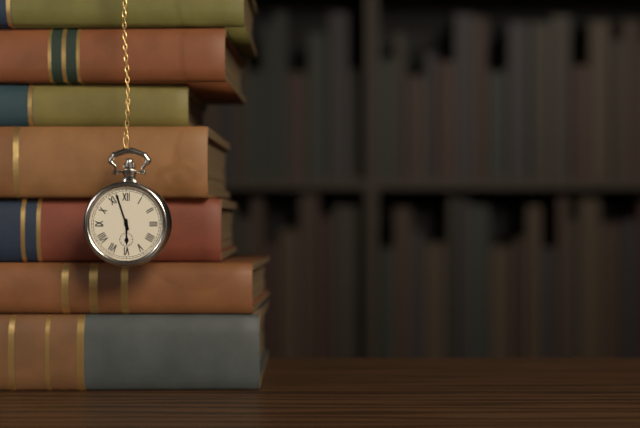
5:57
